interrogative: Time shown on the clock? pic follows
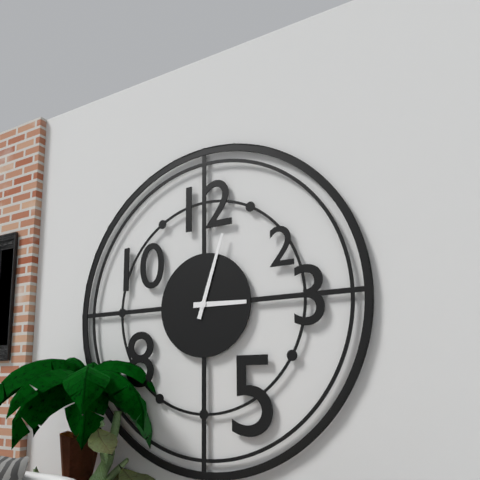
3:03
